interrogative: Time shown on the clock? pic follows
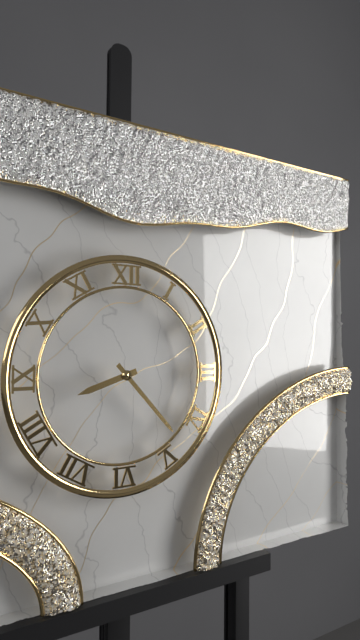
8:23
